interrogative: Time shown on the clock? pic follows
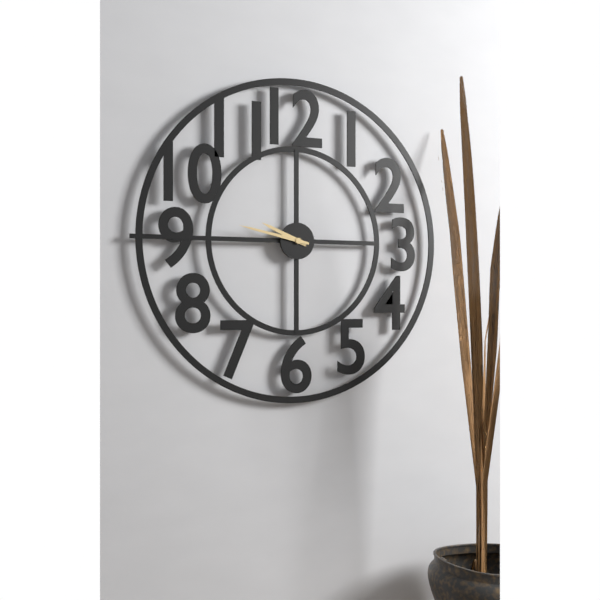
9:47
